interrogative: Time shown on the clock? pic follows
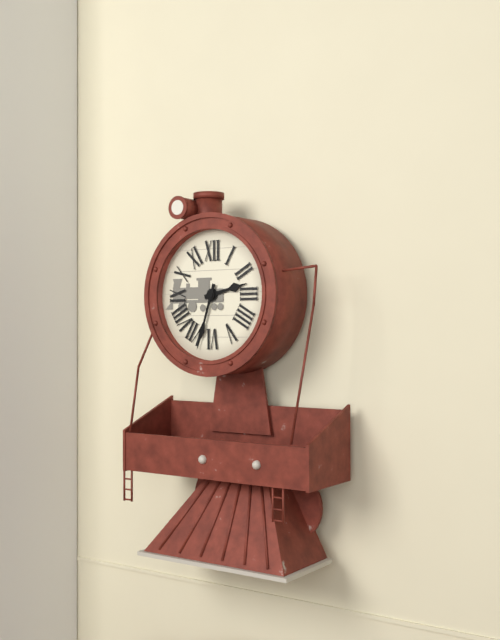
2:33
